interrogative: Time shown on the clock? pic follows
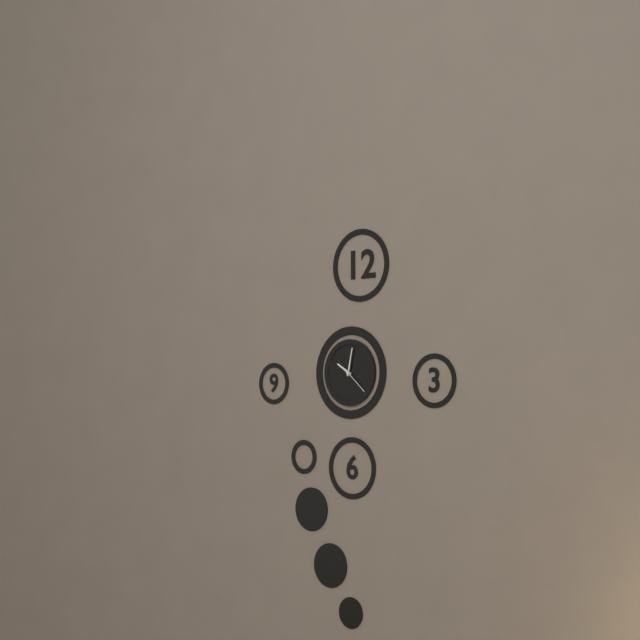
10:02
